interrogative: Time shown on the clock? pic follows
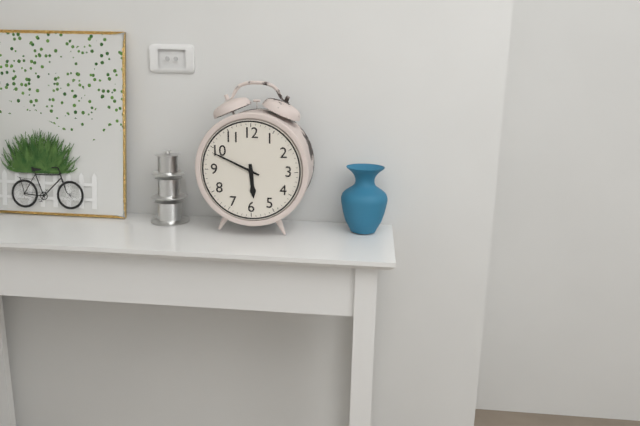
5:49
